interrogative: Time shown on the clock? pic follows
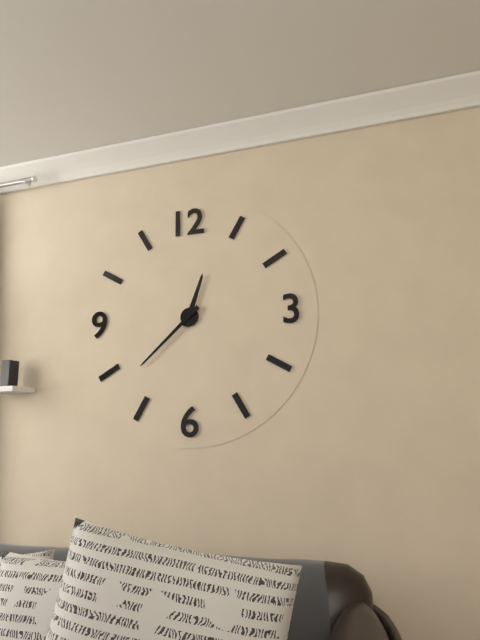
12:38
